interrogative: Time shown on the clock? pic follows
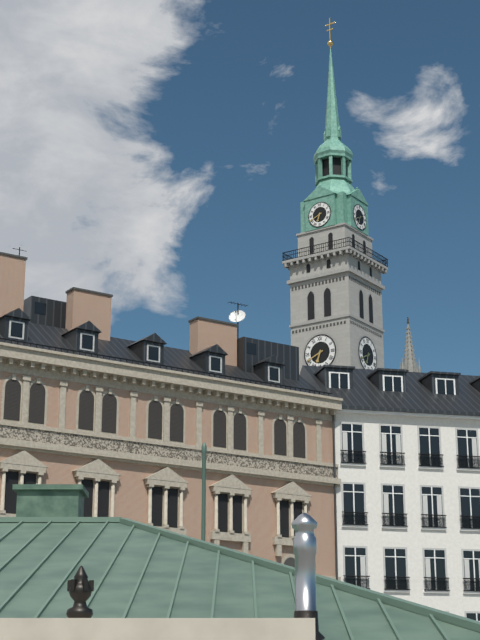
6:41
